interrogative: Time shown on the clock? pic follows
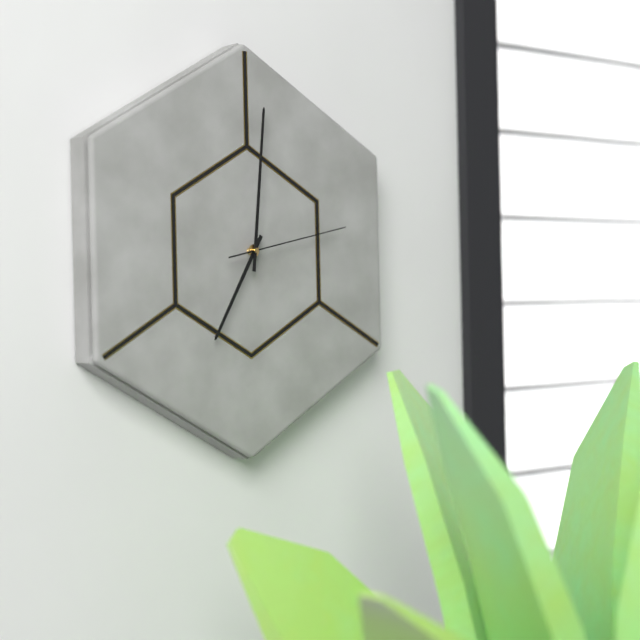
7:01:13
